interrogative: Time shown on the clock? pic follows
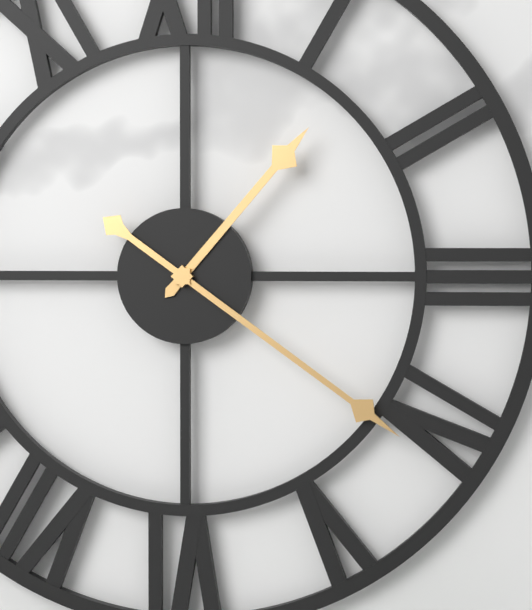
1:21
